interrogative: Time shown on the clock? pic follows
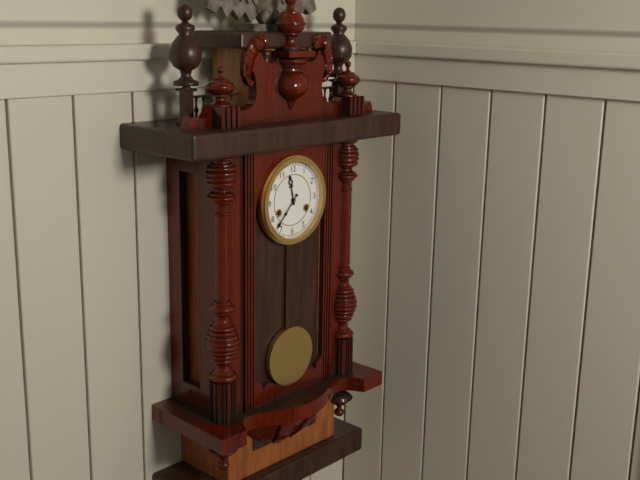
11:37
